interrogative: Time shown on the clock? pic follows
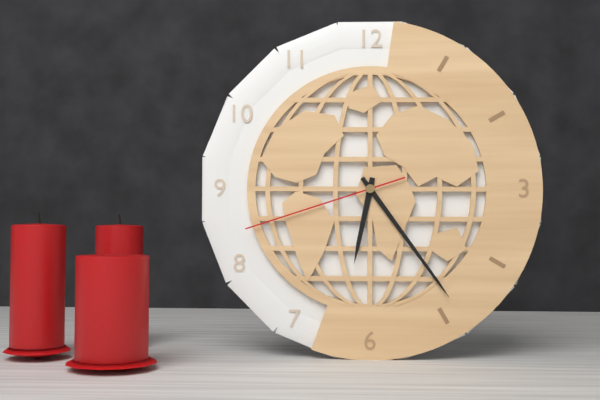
6:24:42
